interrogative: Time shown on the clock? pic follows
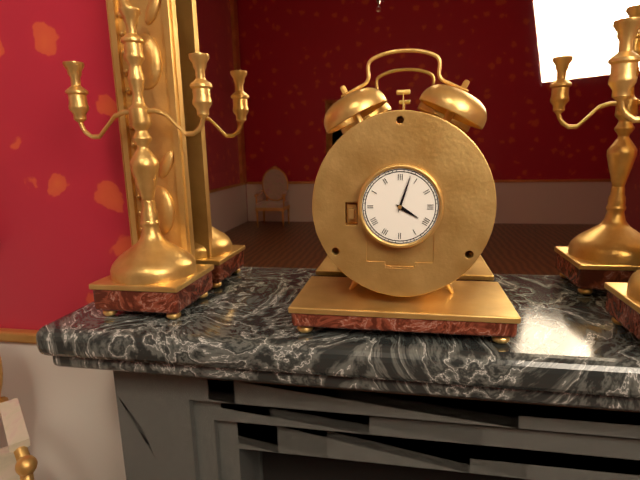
4:03
